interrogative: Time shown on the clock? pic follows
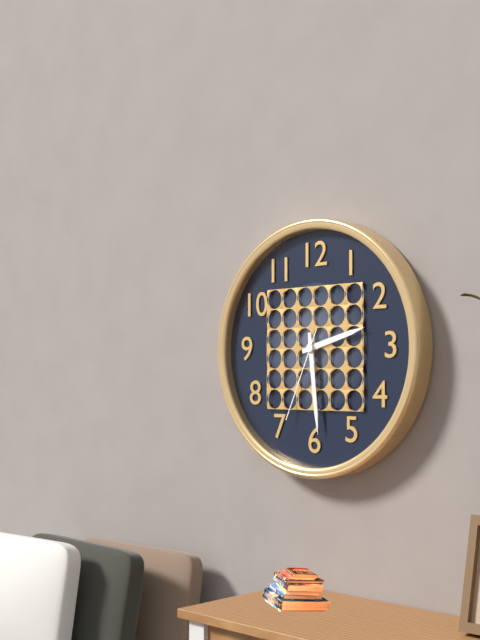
2:29:34
